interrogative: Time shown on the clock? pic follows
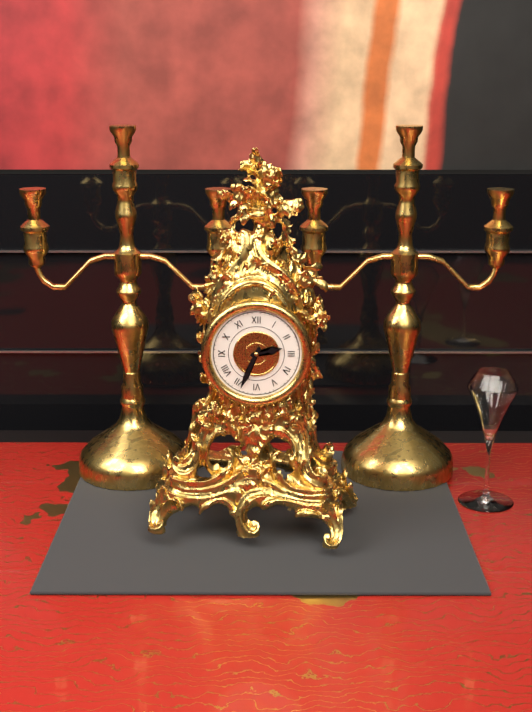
2:34
